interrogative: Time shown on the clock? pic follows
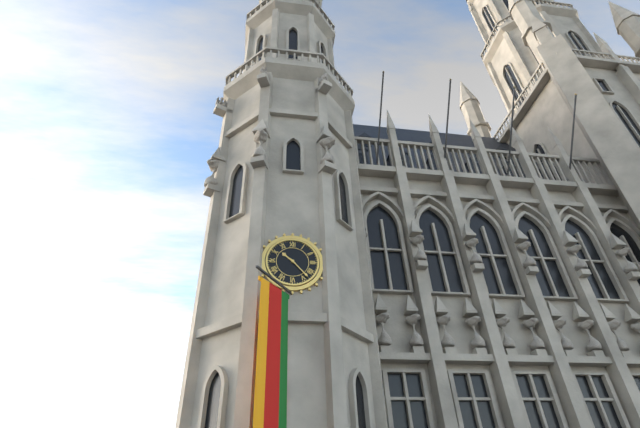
10:23
